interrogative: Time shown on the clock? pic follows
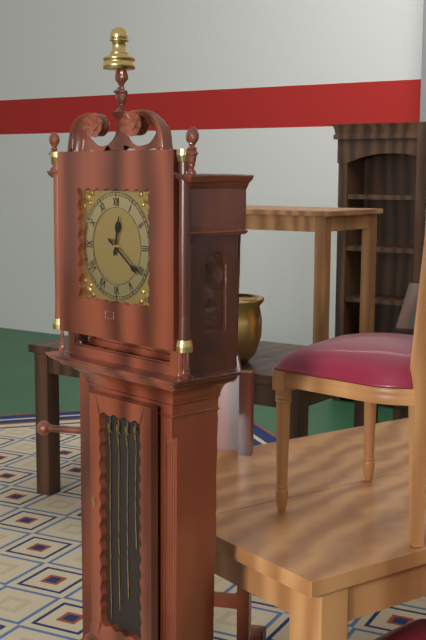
12:21
